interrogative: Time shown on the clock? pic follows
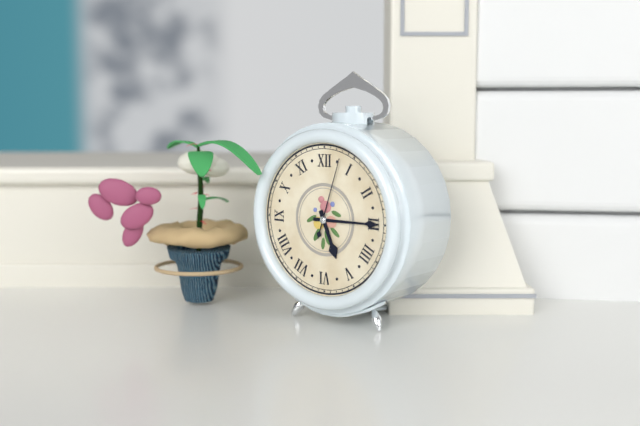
5:15:03
